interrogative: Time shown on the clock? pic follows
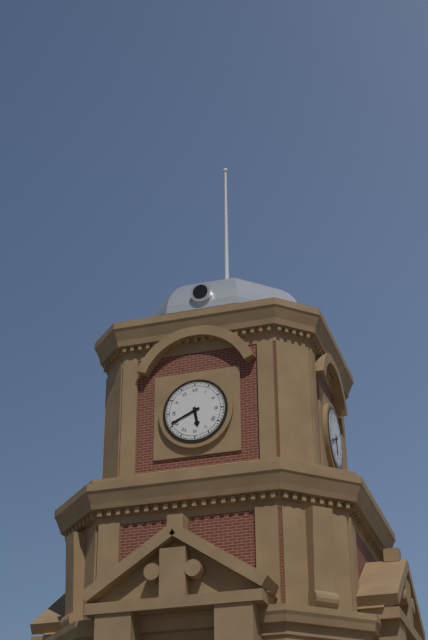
5:41
